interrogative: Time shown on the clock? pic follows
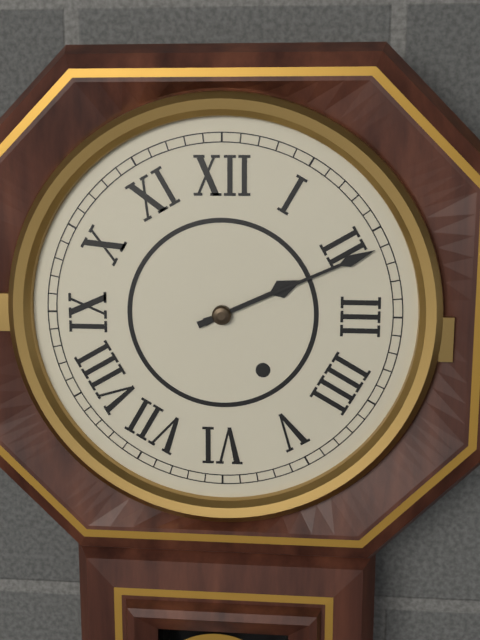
2:11
